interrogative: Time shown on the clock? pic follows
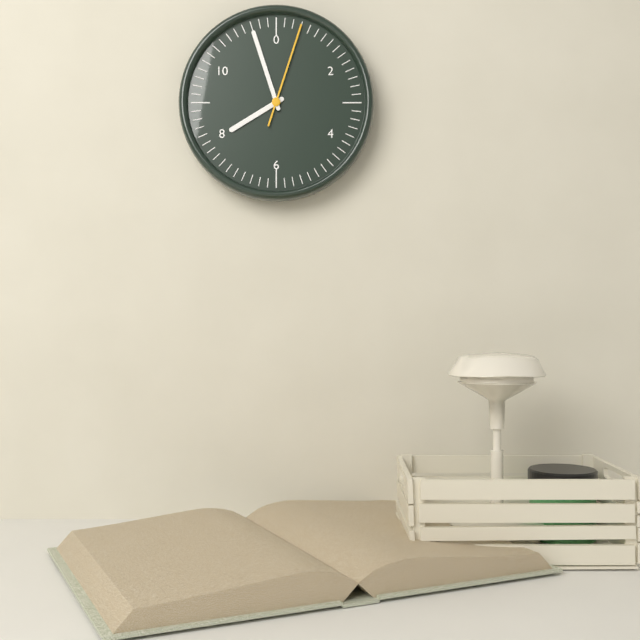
7:57:03
